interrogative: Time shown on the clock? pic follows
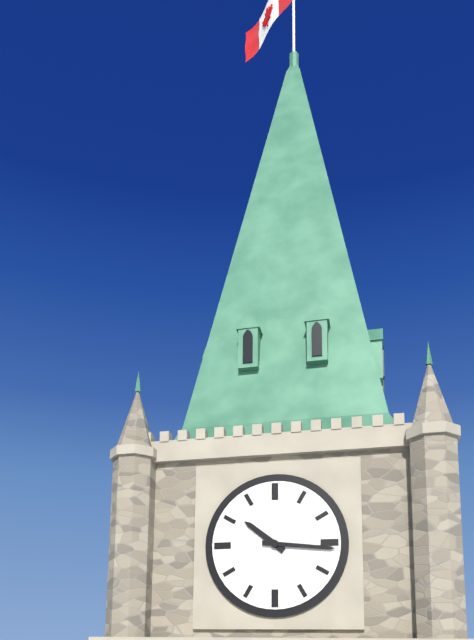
10:16
